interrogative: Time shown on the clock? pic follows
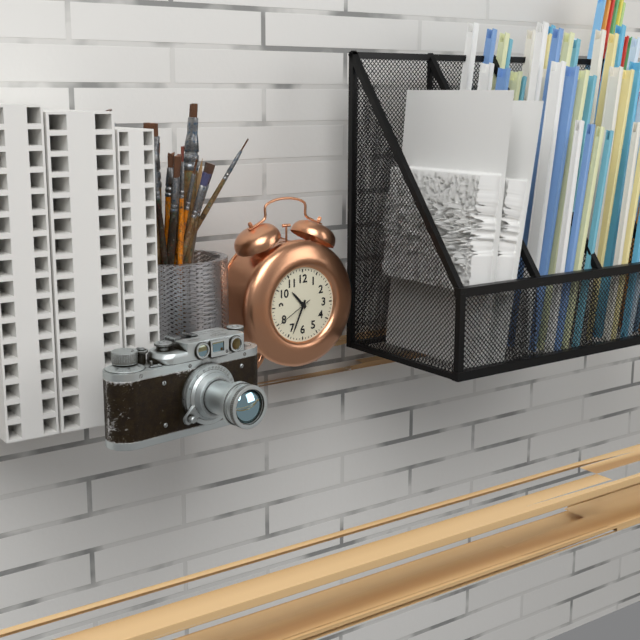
10:34
